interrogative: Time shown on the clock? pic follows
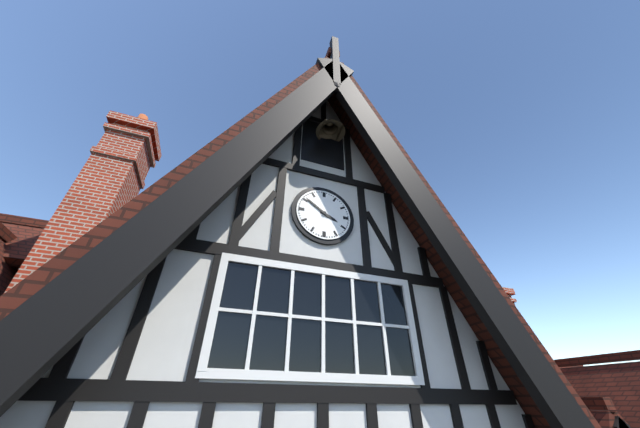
3:51
